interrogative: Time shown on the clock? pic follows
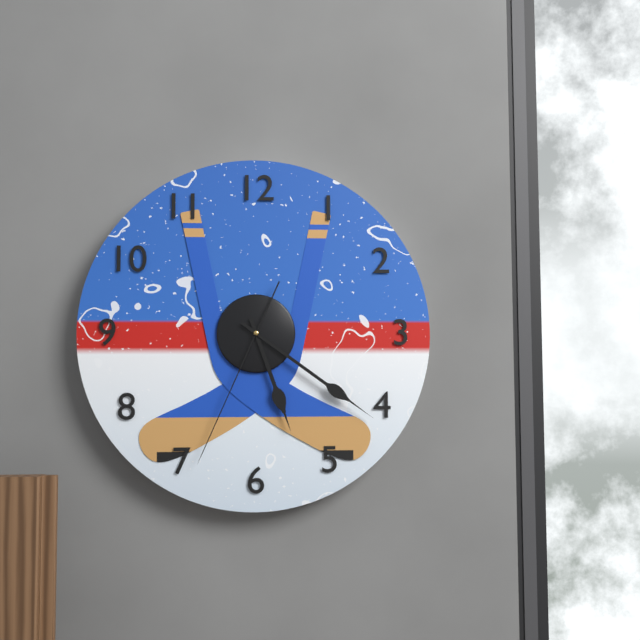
5:21:34
